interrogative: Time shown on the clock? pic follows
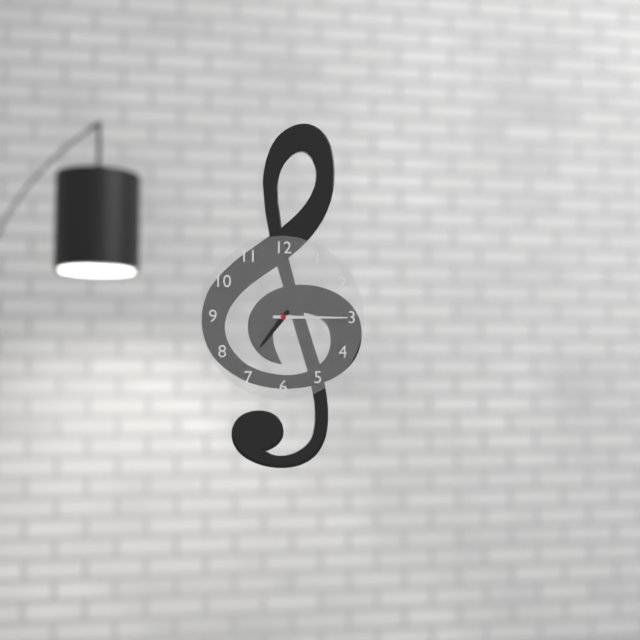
7:15
